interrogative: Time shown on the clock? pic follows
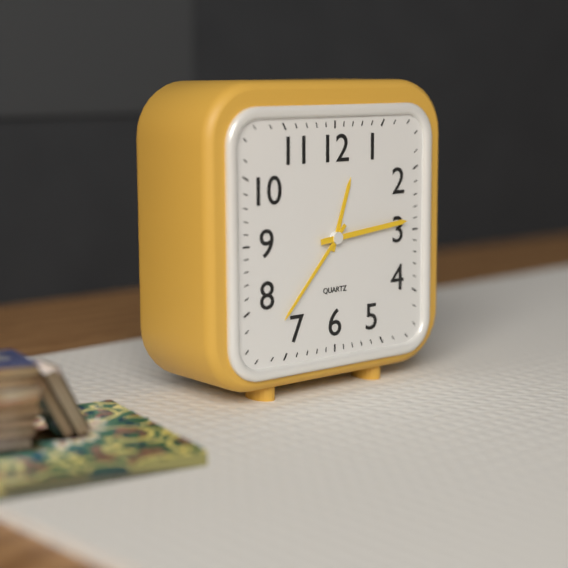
12:37:14
